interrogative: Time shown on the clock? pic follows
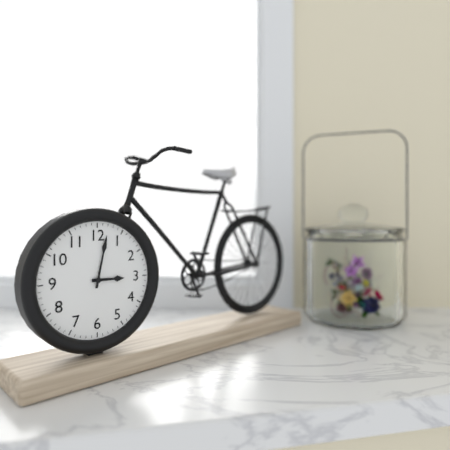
3:02
